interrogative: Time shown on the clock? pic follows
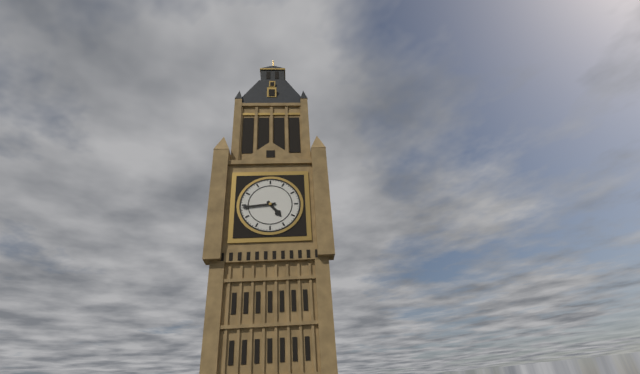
4:44
